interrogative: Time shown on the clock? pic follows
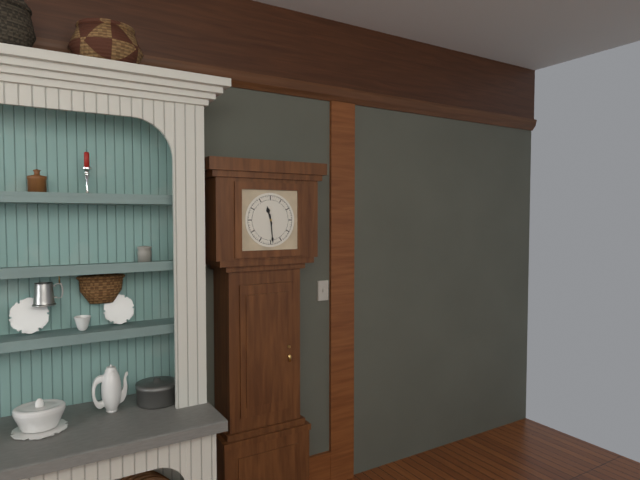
11:29
